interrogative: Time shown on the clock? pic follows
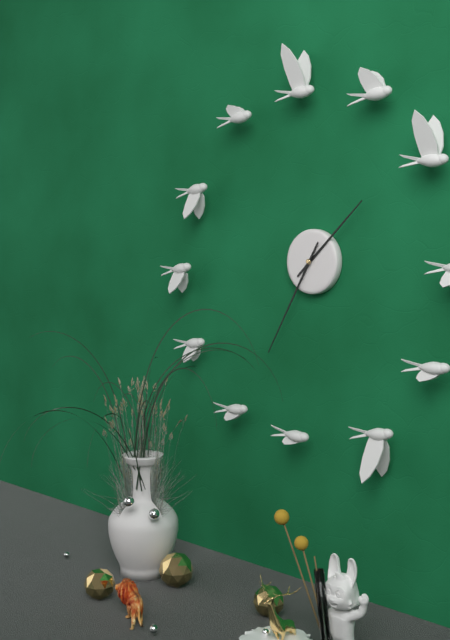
1:35
